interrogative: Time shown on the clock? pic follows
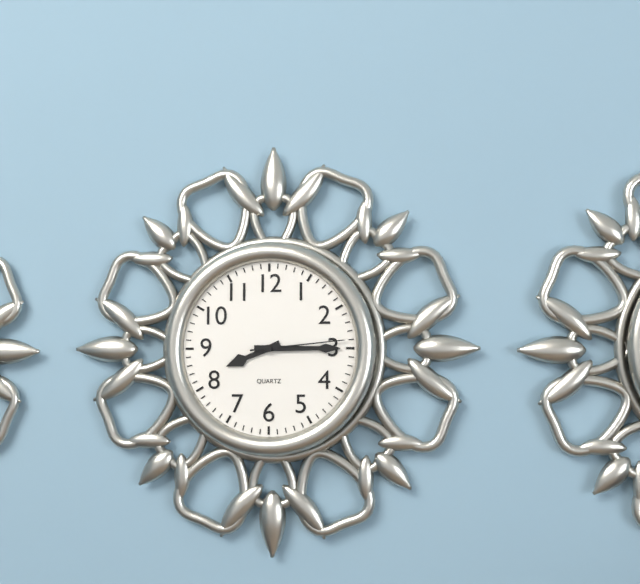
8:15:14
